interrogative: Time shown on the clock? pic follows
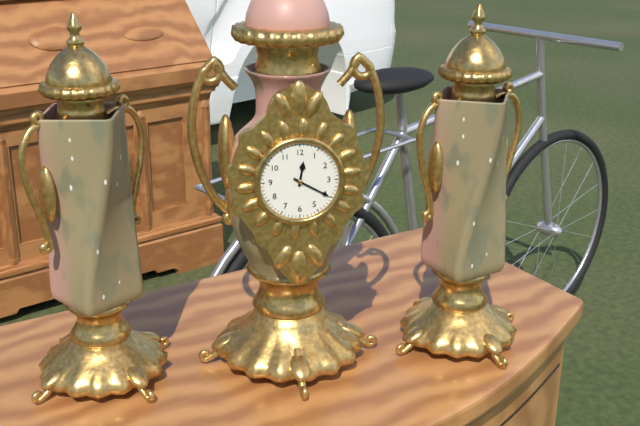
12:20
